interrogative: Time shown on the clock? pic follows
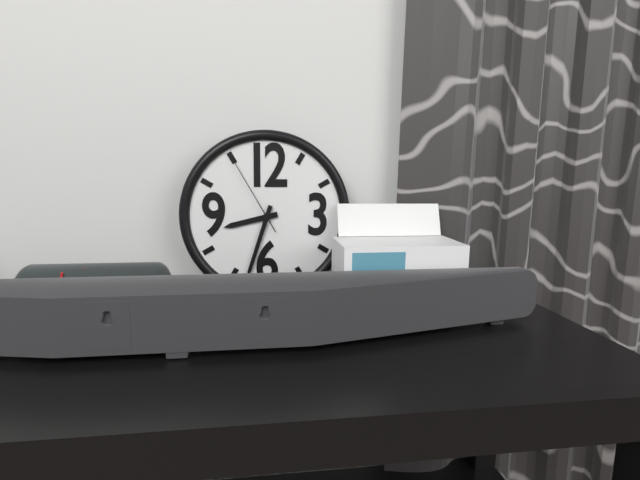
8:33:55
